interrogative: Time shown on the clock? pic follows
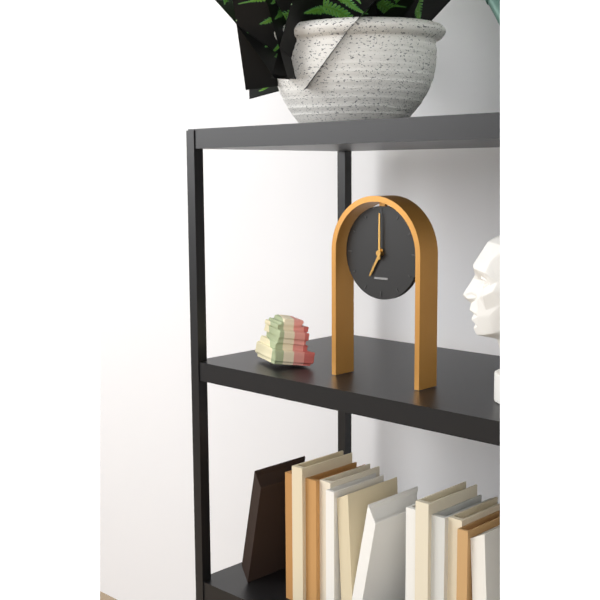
7:00
